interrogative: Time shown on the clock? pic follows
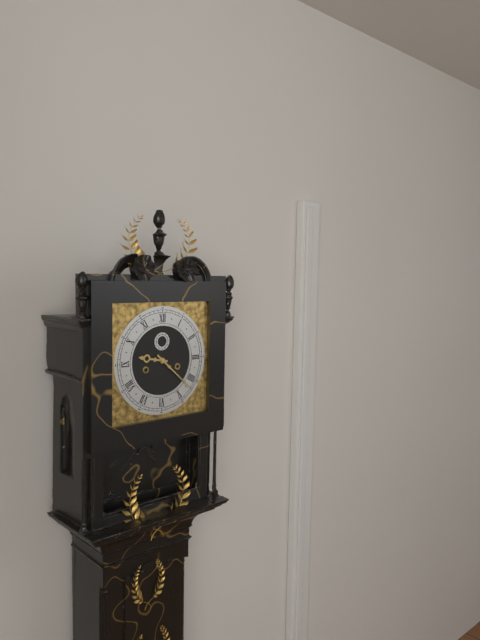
9:22
